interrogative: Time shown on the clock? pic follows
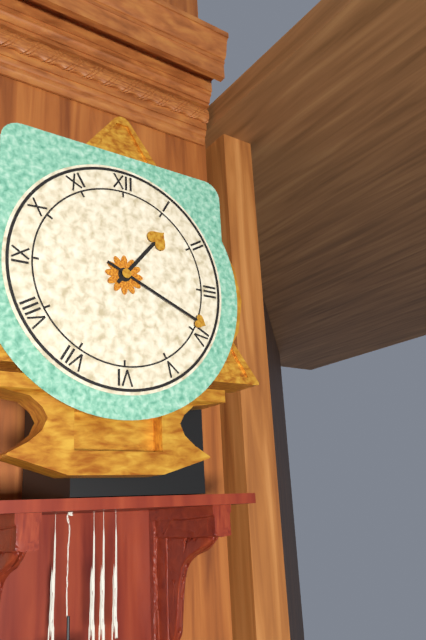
1:19
